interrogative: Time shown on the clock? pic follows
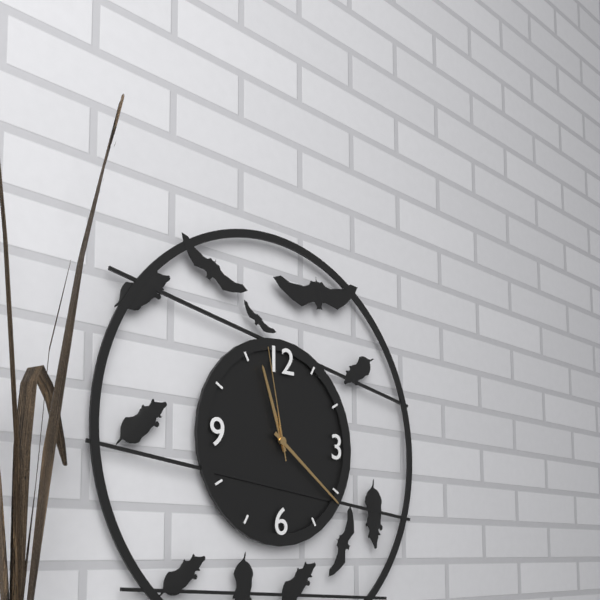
11:21:58
